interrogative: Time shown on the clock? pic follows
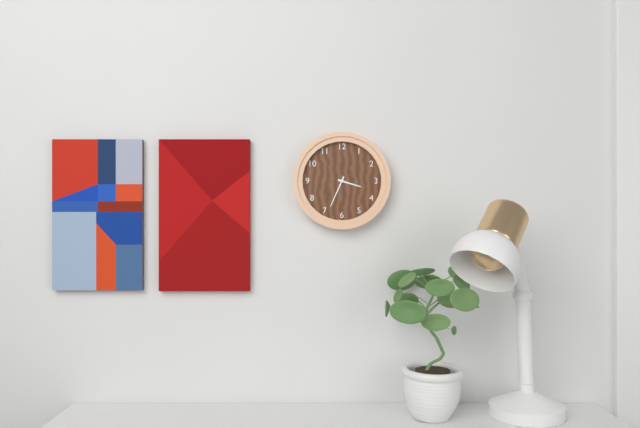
3:34
